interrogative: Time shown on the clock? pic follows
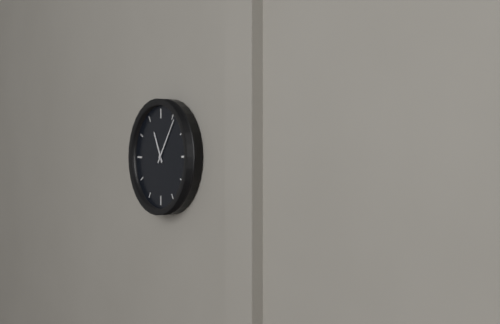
11:06
